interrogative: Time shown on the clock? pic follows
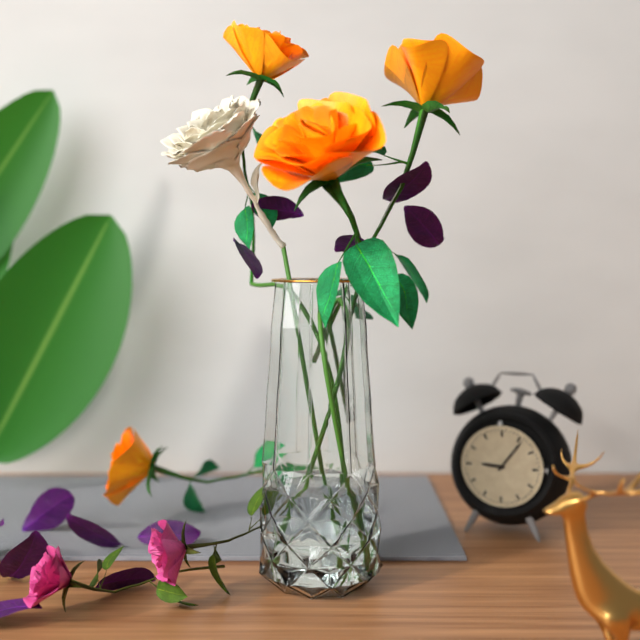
9:06
